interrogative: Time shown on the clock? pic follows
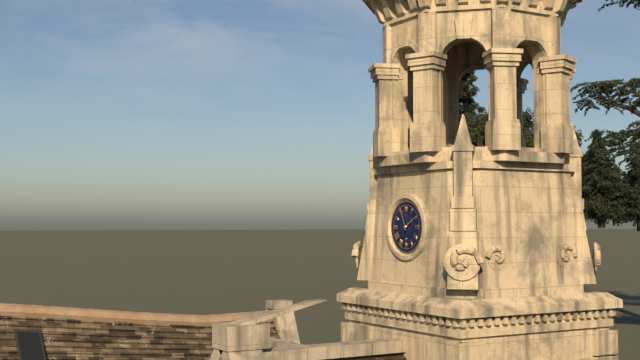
1:56
